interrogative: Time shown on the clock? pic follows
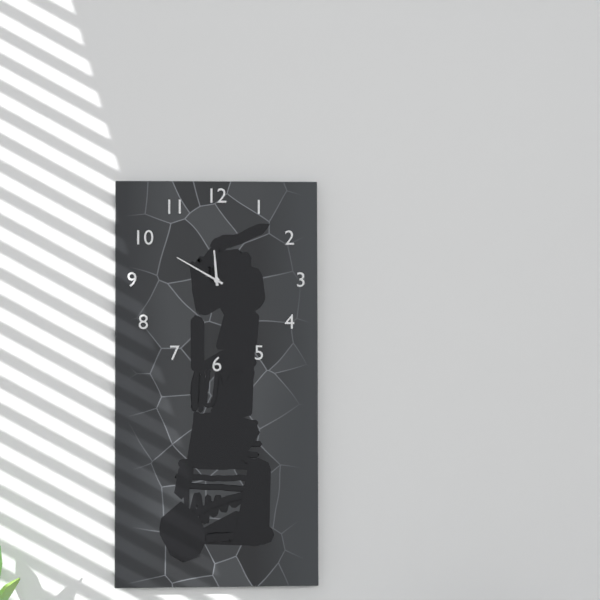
11:50
